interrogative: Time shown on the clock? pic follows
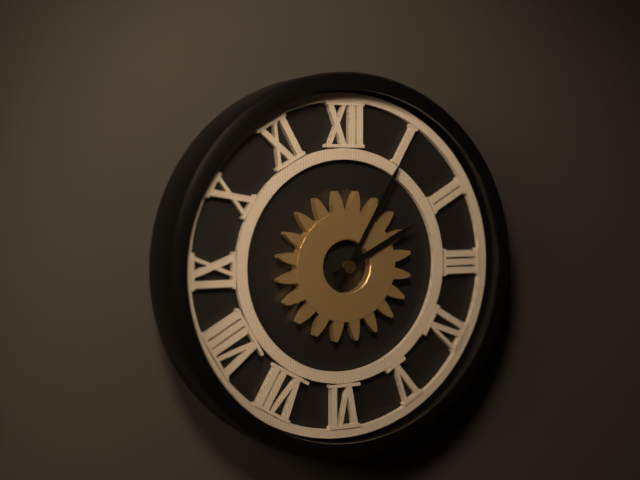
2:05
